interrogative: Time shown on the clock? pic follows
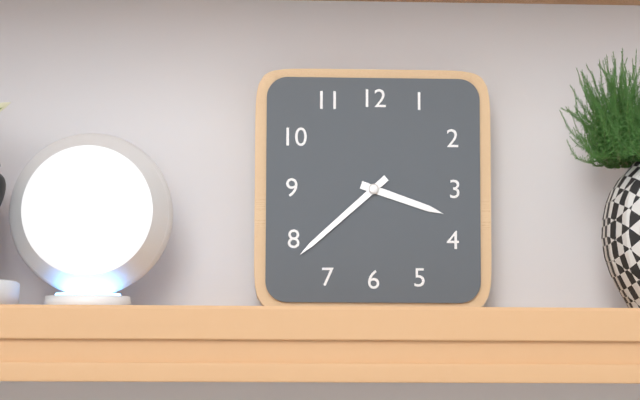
3:38
